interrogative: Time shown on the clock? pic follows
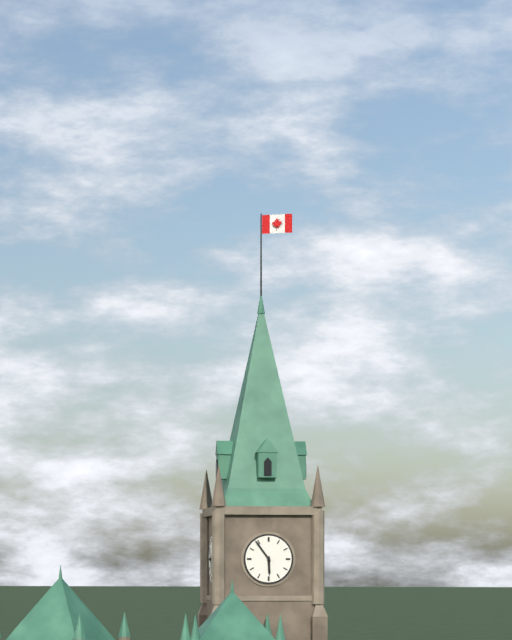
5:54
